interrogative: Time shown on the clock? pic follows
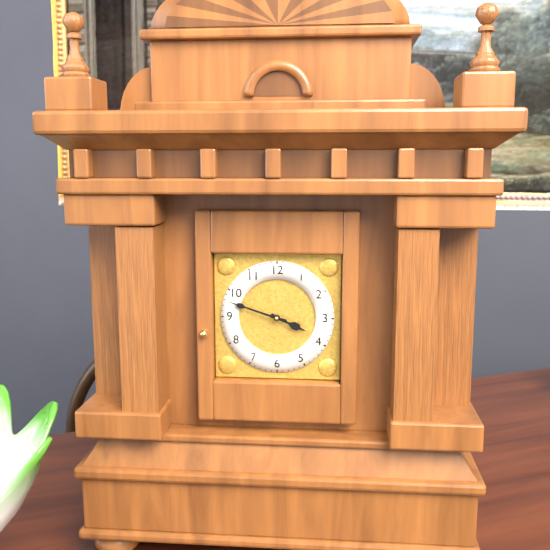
3:48
